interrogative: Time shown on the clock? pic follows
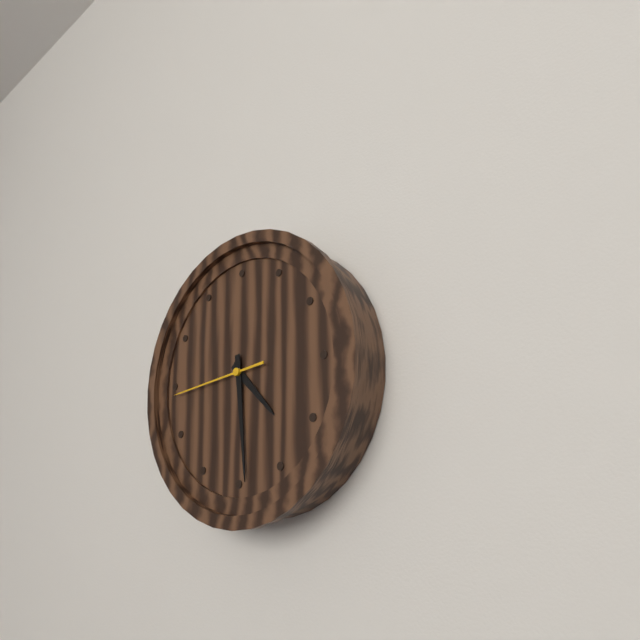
4:29:44
